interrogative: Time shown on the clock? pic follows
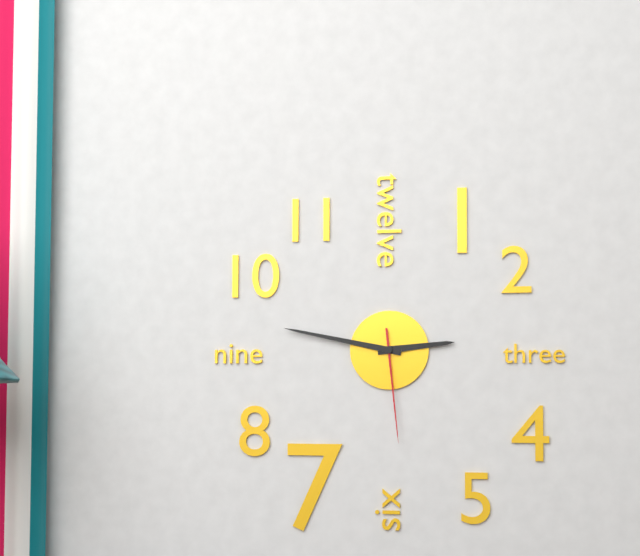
2:47:29
